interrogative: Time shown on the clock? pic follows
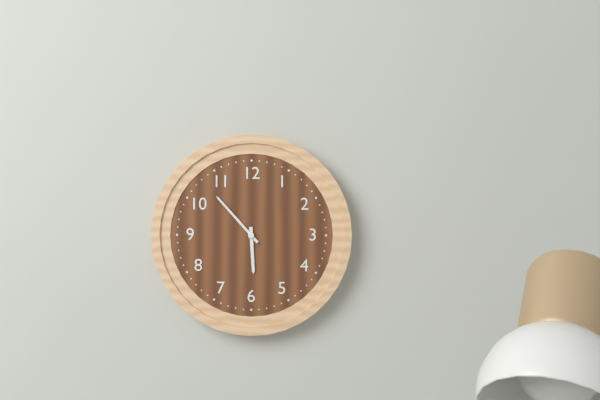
5:53
